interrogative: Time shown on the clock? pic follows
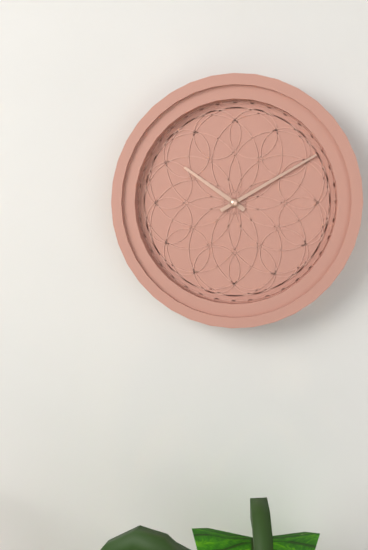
10:10
